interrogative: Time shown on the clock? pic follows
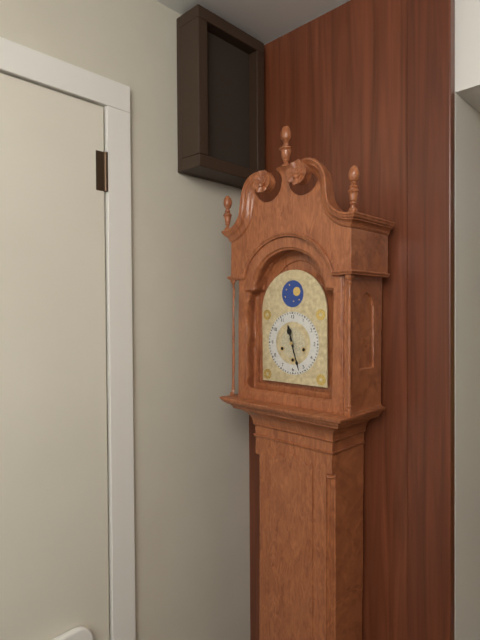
11:27
